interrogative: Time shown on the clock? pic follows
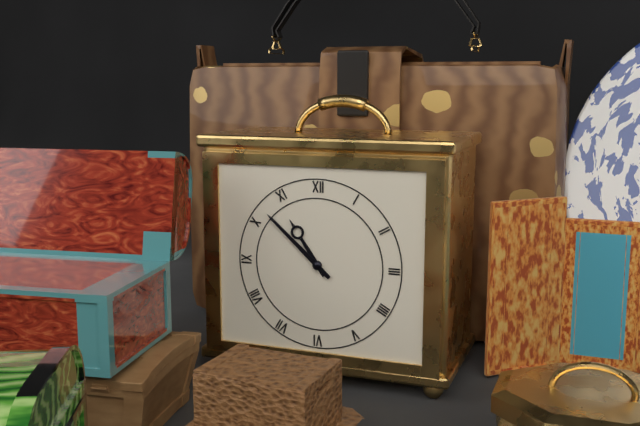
10:52
